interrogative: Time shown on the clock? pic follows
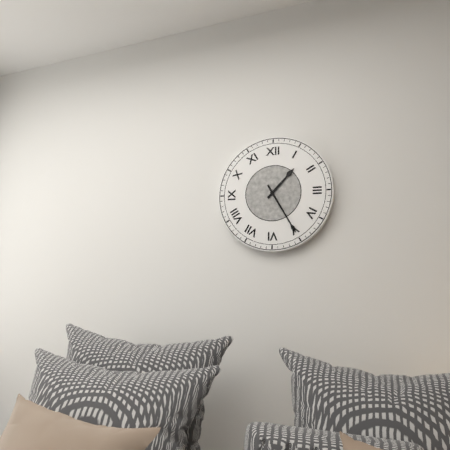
1:25
